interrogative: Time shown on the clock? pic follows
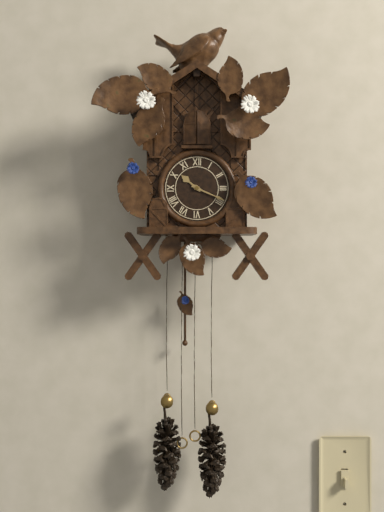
10:19
